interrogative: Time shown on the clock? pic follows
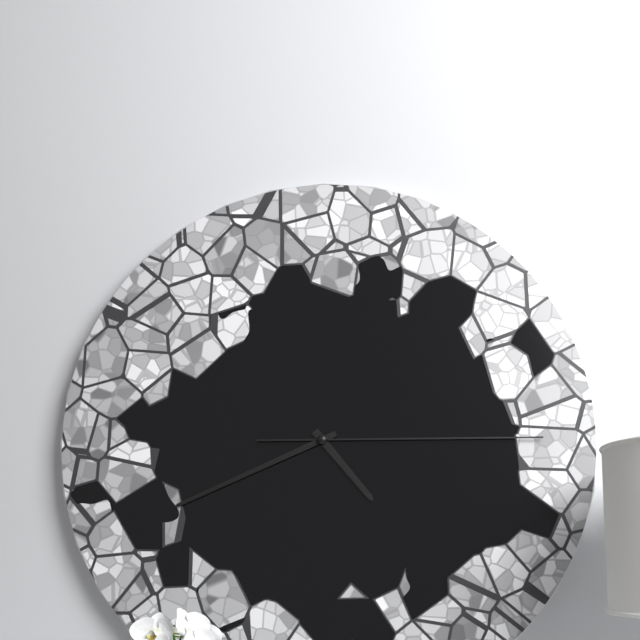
4:41:15
